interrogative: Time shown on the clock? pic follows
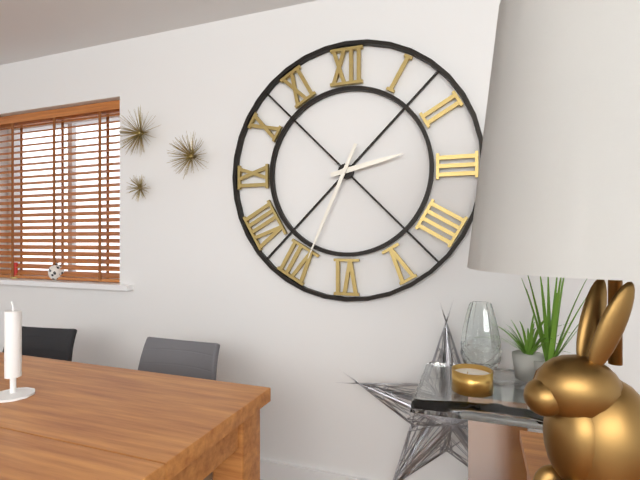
2:34
